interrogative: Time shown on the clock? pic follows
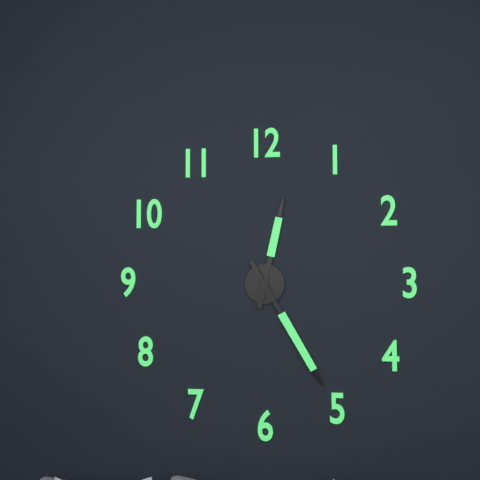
12:25
